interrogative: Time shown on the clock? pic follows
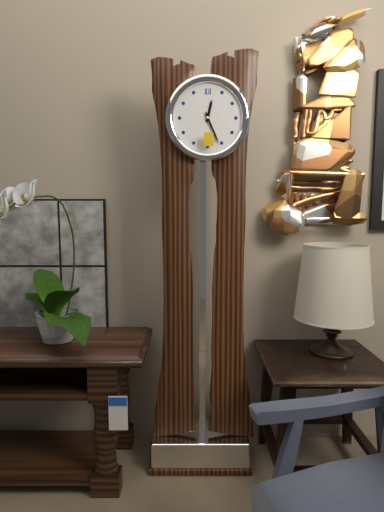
12:26
